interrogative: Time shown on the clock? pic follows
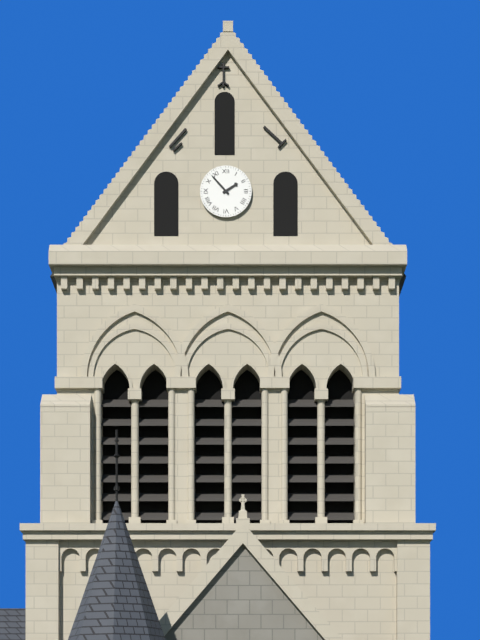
1:53
